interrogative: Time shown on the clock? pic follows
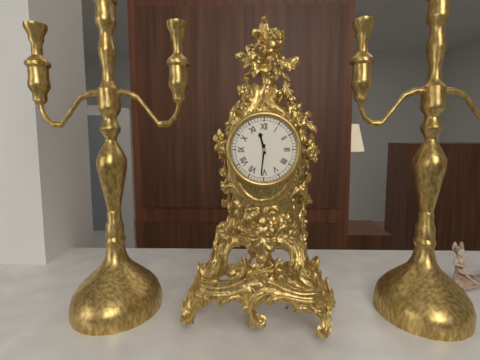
11:31
